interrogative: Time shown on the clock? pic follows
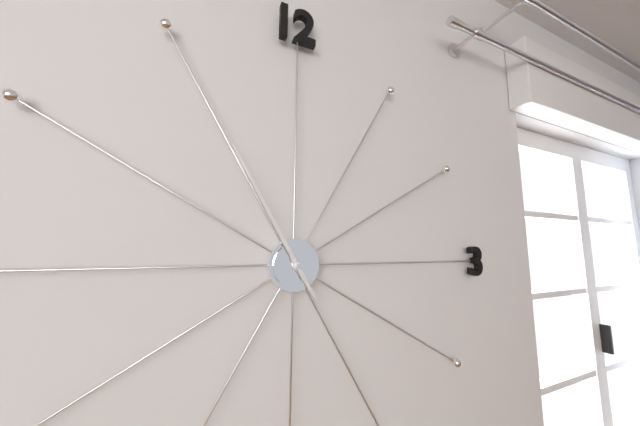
4:55
